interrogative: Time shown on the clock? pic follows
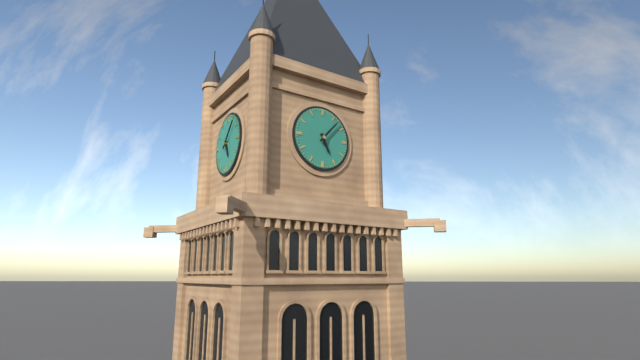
5:07
